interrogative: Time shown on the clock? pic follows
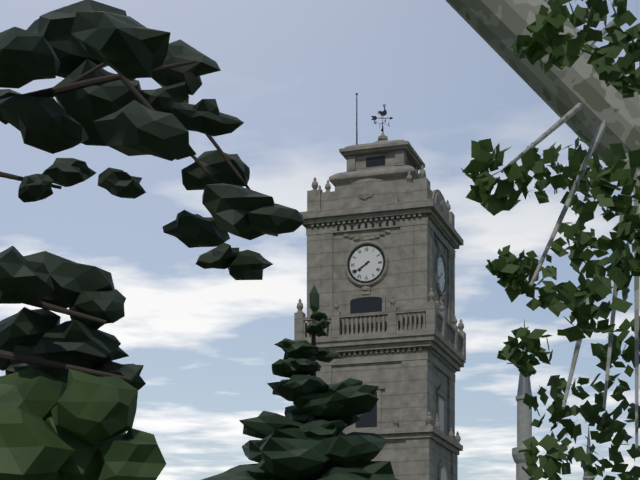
7:40
